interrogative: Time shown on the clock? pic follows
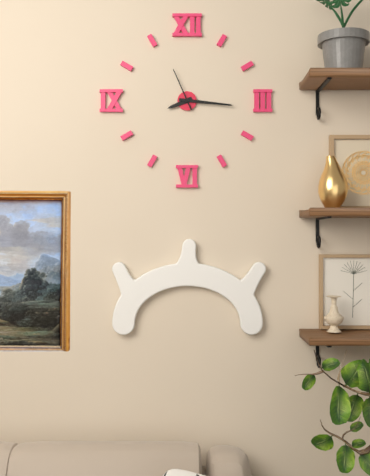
8:16
